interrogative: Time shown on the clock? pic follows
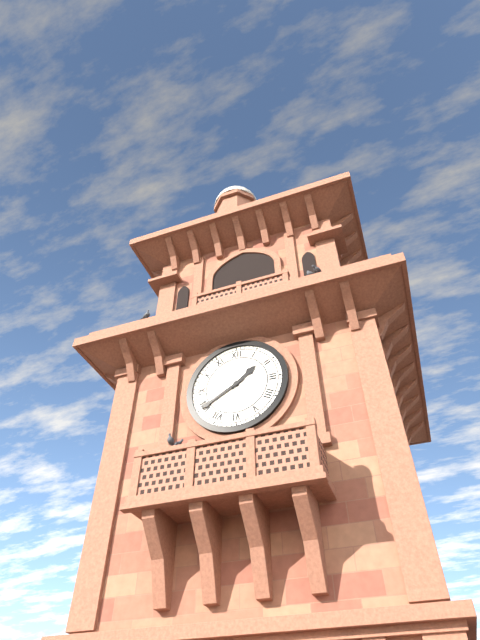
1:40
